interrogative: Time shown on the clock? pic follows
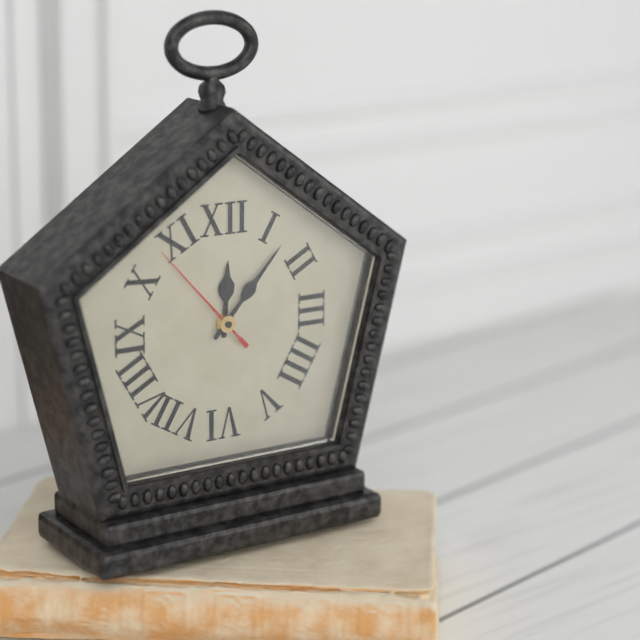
12:07:53
